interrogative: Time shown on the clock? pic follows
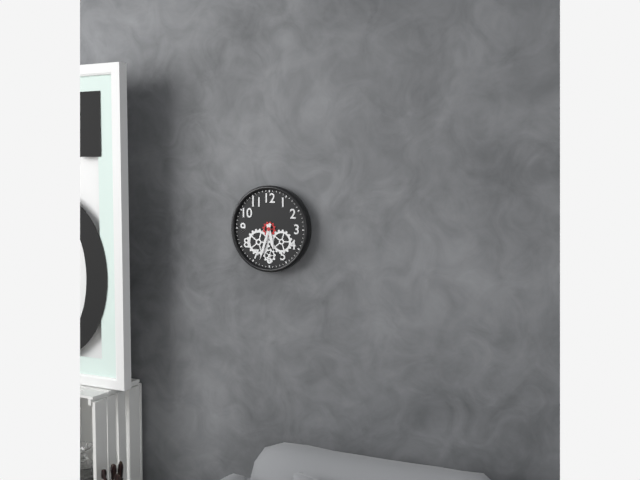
5:33
